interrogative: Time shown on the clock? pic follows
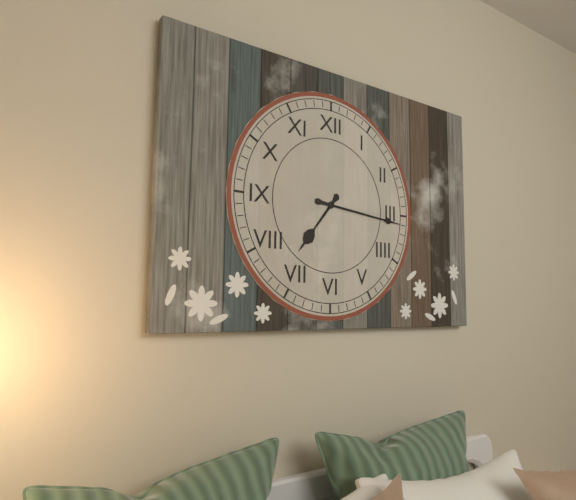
7:16
